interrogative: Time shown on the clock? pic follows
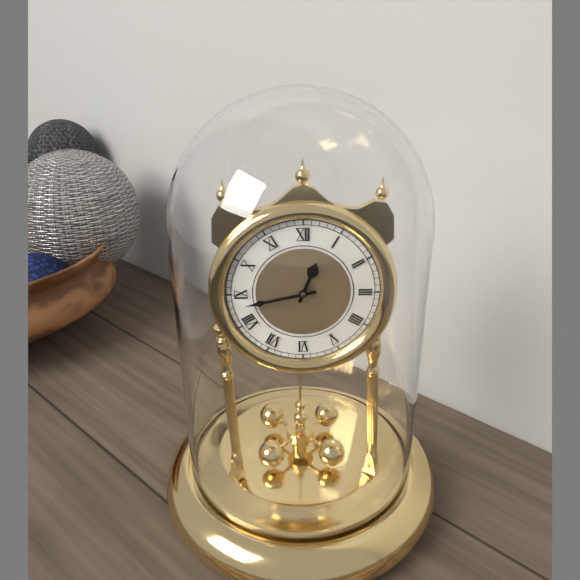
12:43
